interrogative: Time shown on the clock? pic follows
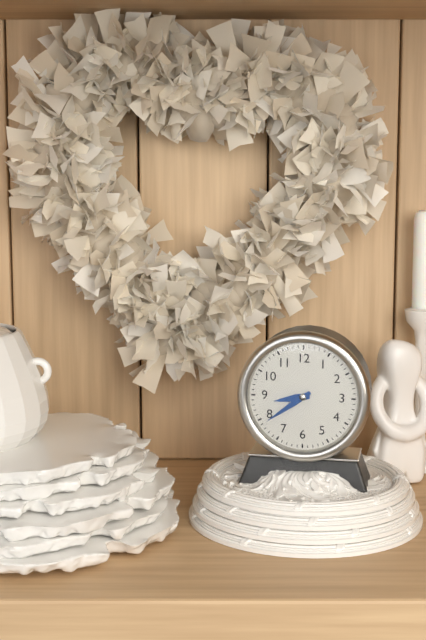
8:39
